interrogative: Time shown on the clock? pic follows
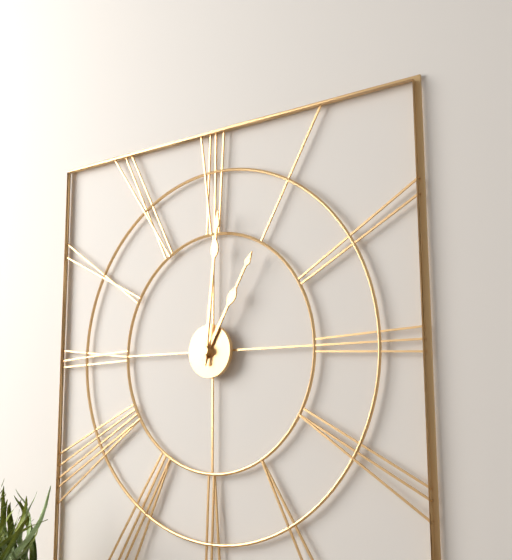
1:01
